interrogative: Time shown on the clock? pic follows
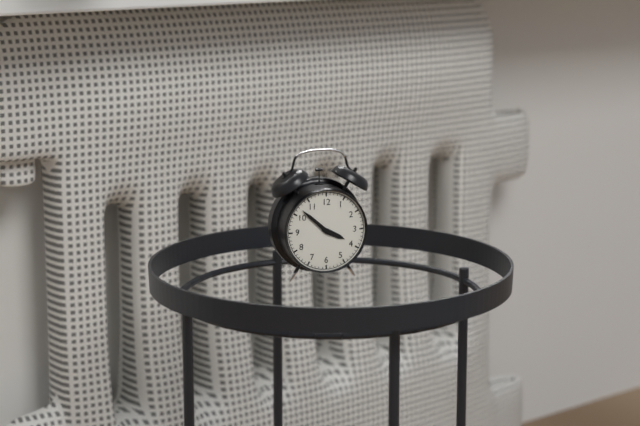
3:52
